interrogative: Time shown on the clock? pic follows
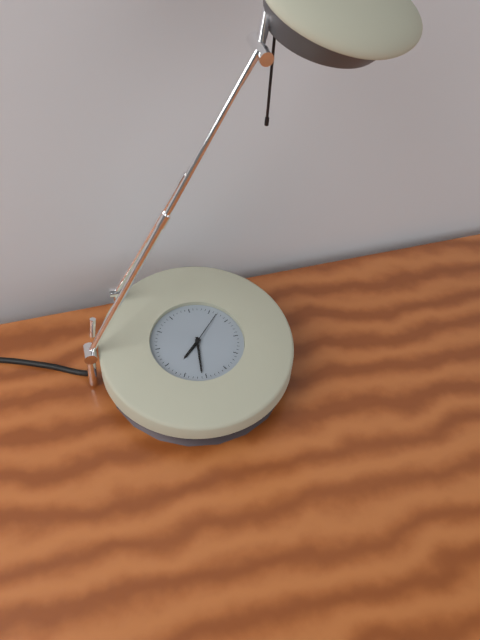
7:31
